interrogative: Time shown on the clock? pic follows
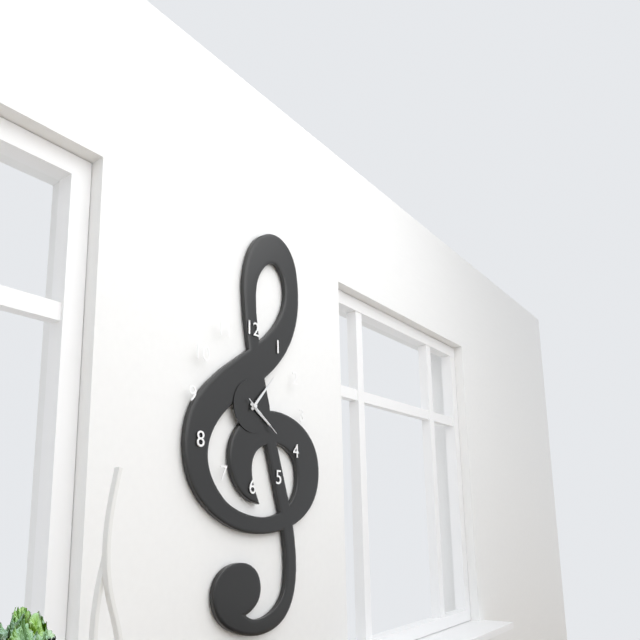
4:07
